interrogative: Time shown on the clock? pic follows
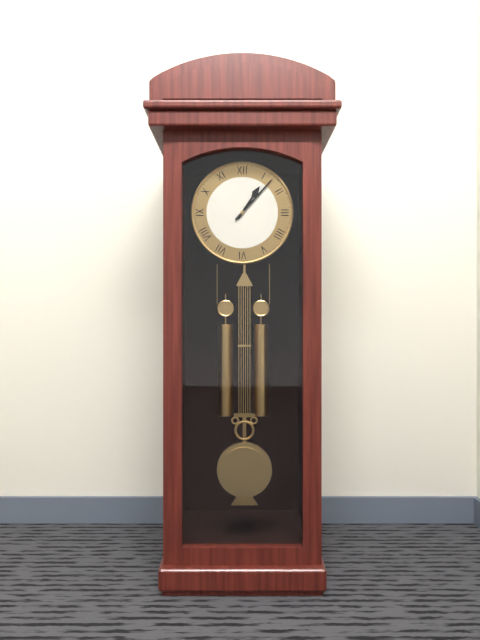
1:07
